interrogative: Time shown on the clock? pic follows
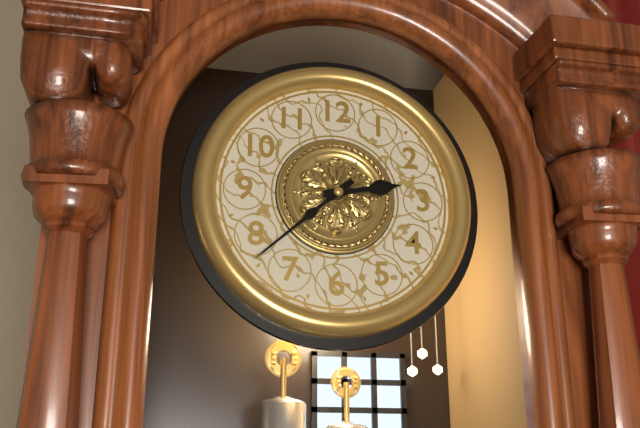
2:38
